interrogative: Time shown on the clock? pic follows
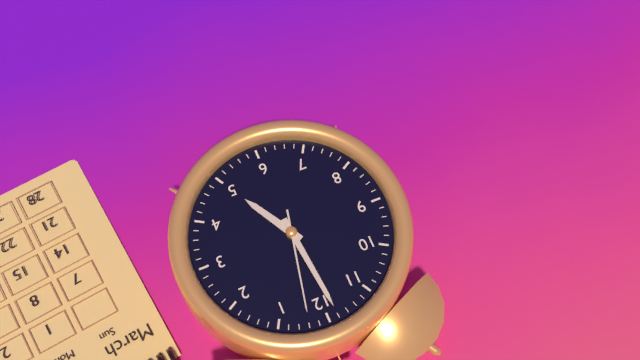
4:59:02
